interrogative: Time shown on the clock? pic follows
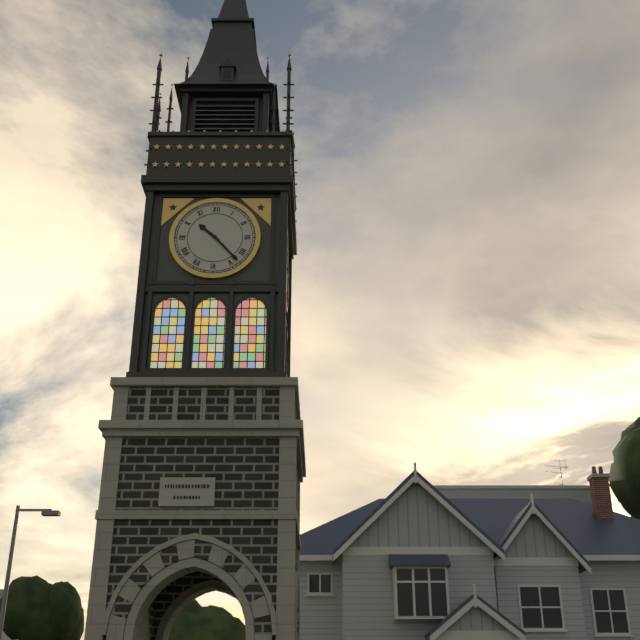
10:23
